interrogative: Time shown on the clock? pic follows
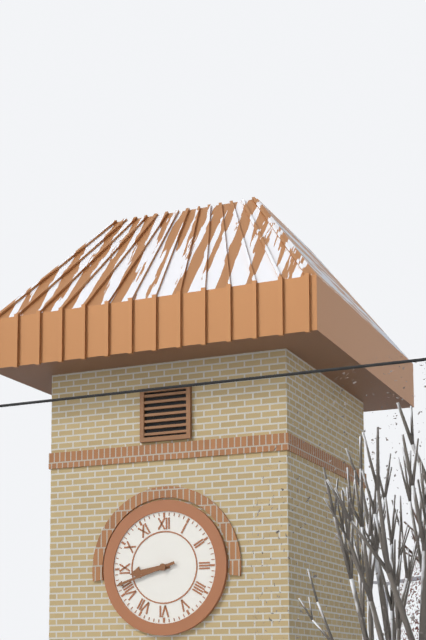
8:42
